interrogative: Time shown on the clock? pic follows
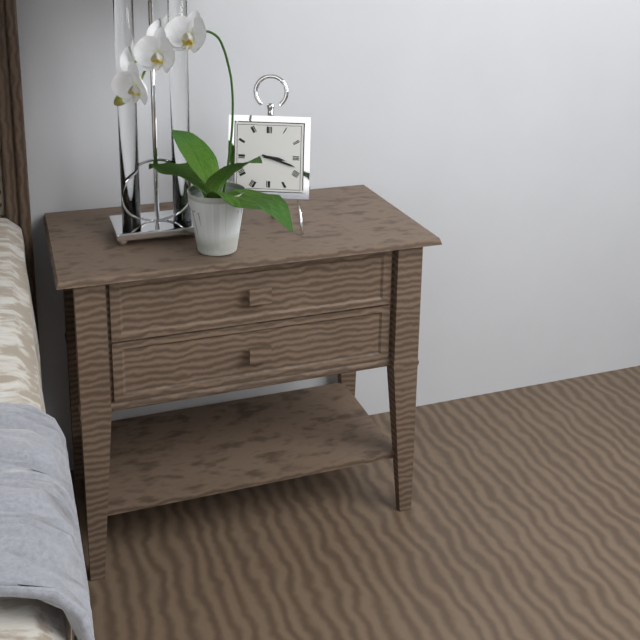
3:18
